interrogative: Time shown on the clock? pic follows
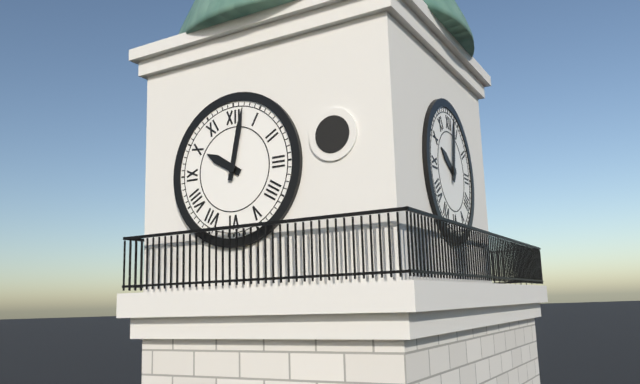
10:02
